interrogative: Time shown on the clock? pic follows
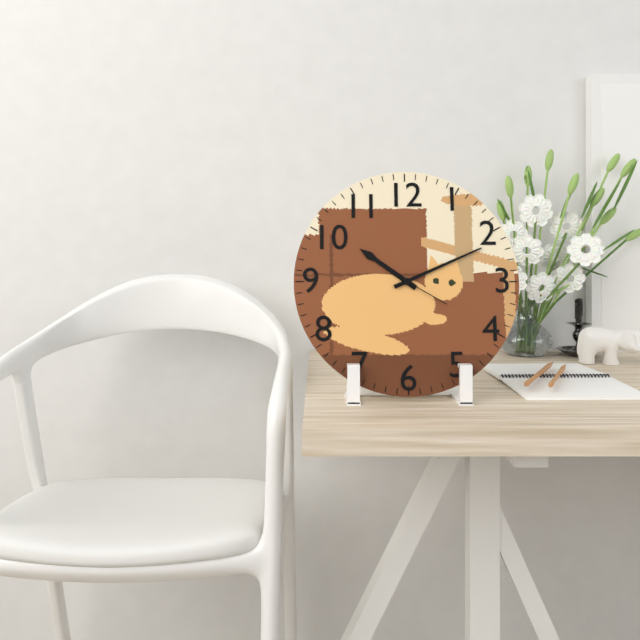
10:11:20
